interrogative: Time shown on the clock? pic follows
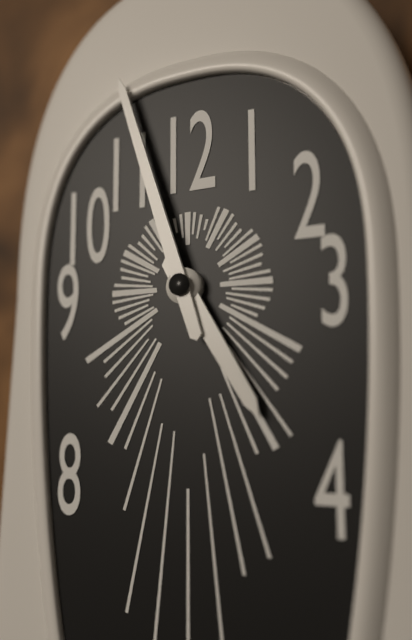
4:57
